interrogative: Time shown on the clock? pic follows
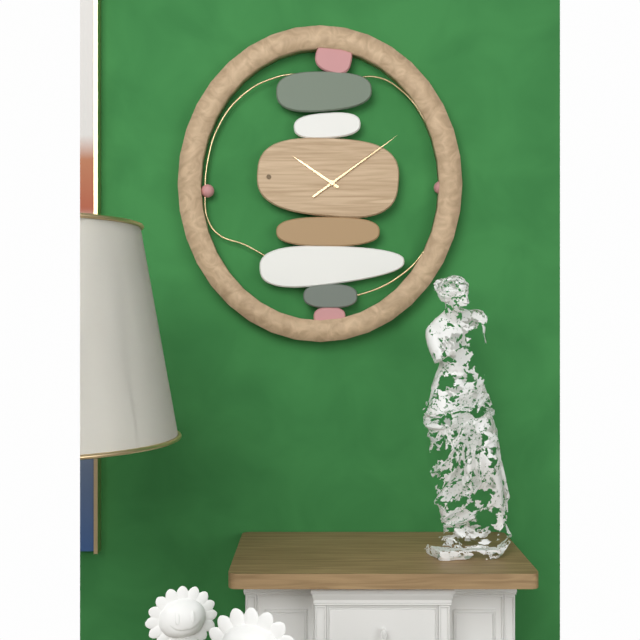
10:09
